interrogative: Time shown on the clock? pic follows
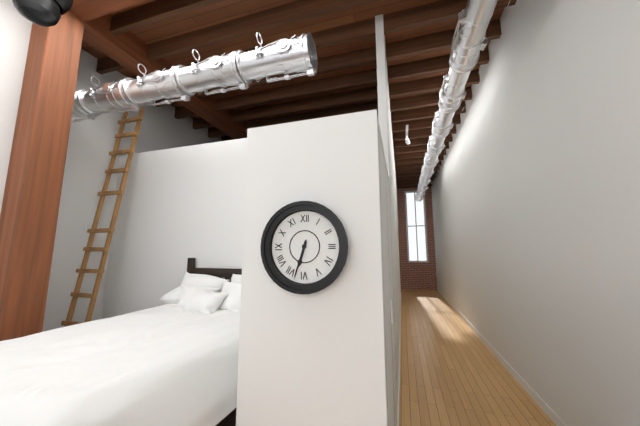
6:33
